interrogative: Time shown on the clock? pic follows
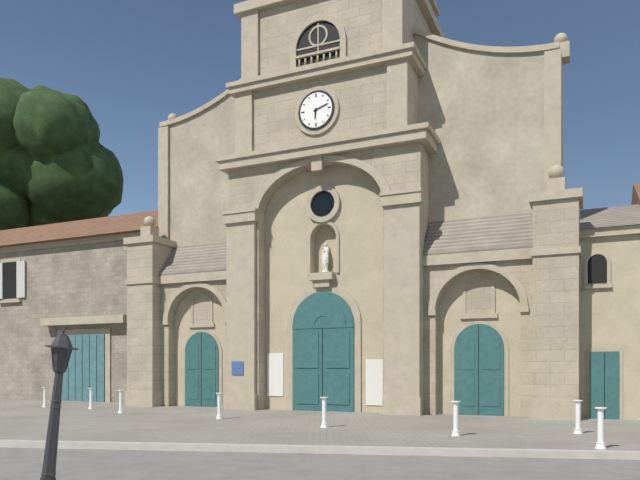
6:12
